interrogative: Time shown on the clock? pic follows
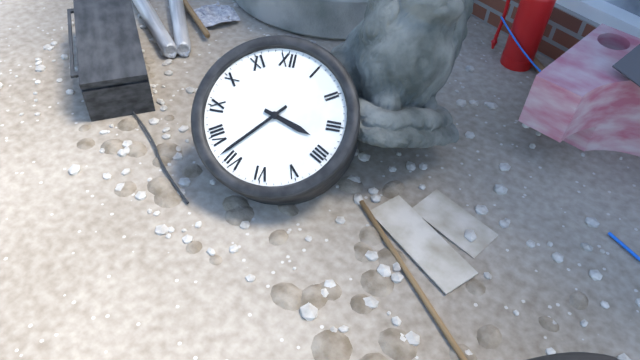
3:37
